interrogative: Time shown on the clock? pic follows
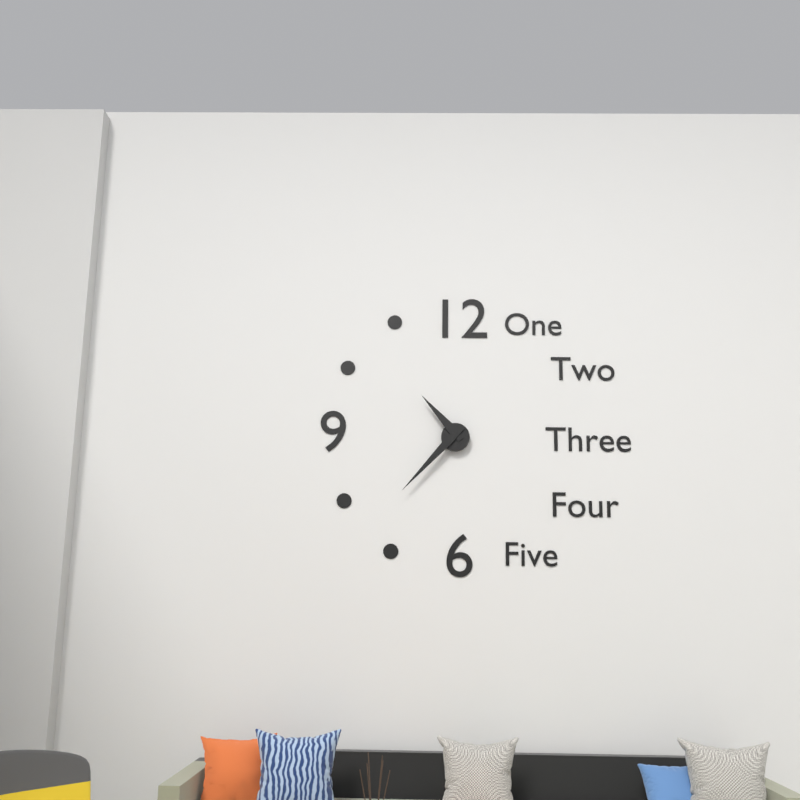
10:37
